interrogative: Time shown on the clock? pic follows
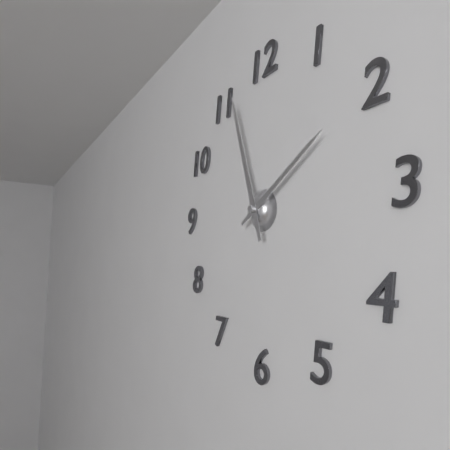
1:57
